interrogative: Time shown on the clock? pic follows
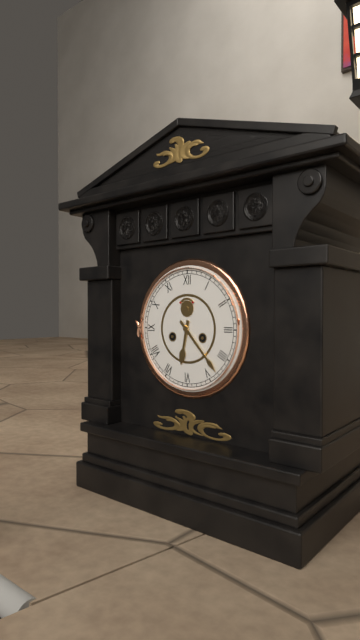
6:23
